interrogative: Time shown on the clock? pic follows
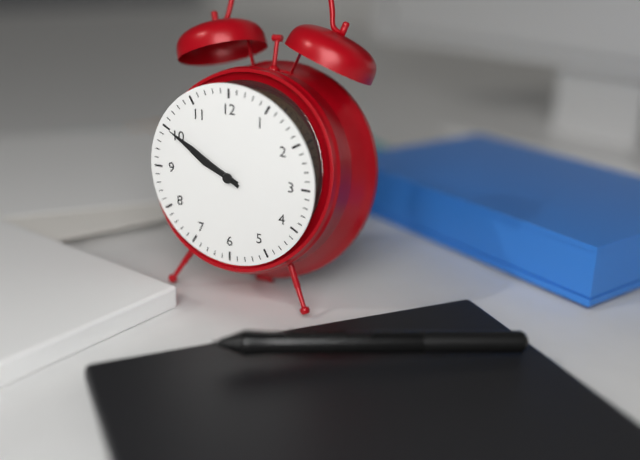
9:50
